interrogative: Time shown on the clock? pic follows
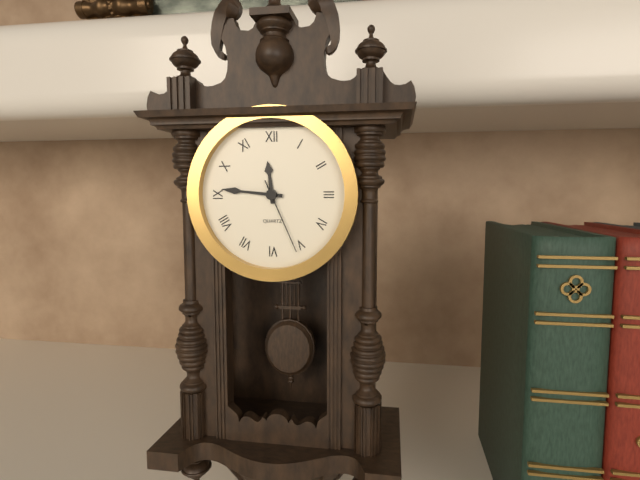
11:46:26
